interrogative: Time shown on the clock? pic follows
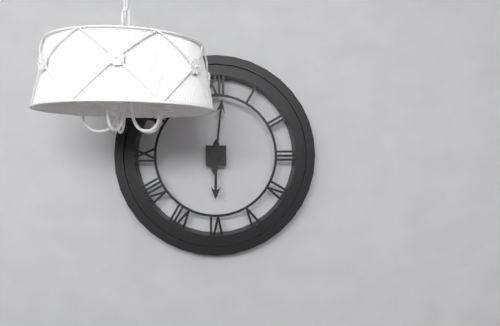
6:01
